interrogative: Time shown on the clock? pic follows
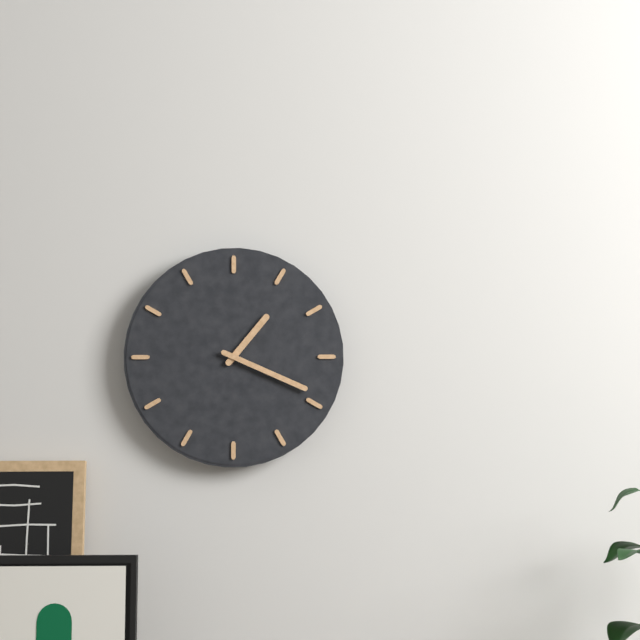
1:19
